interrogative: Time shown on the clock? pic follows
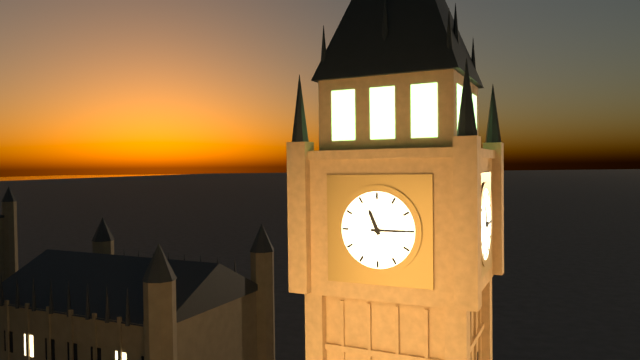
11:15
